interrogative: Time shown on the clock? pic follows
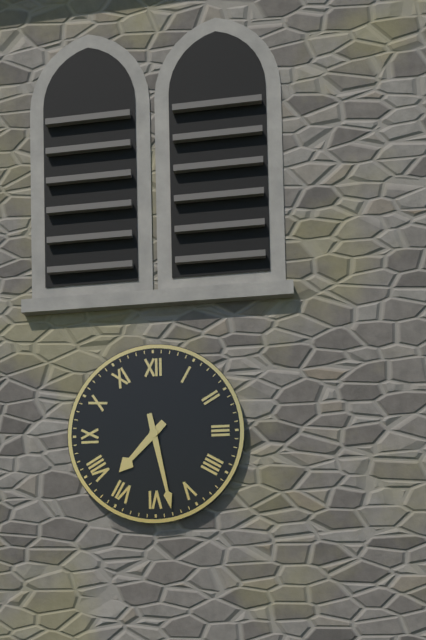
7:28
